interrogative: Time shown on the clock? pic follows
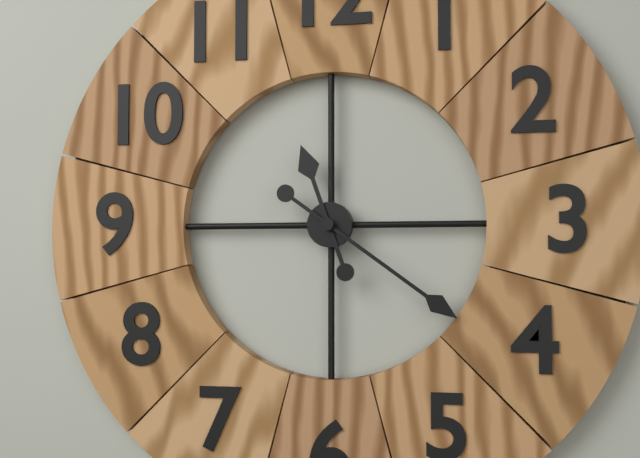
11:21
